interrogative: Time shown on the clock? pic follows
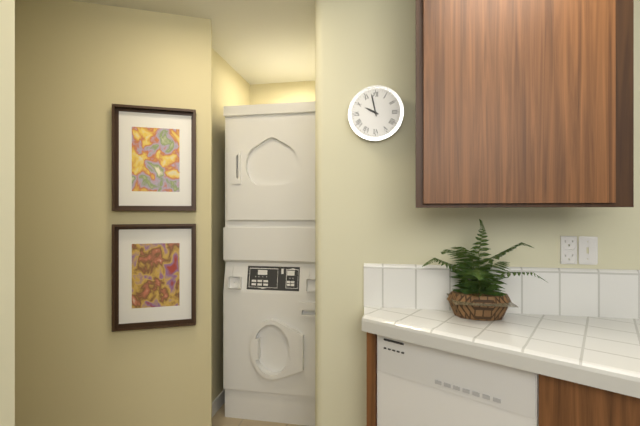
9:58
